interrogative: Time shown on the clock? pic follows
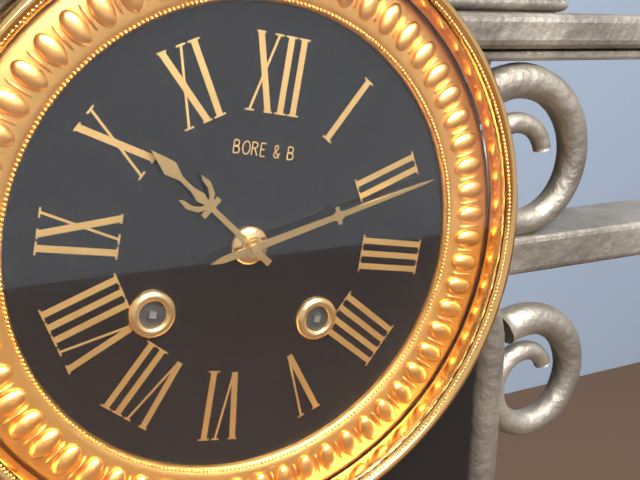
10:11
